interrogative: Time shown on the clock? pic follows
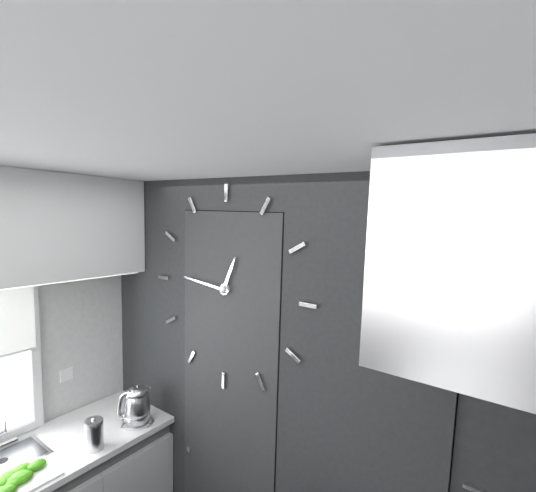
12:46
